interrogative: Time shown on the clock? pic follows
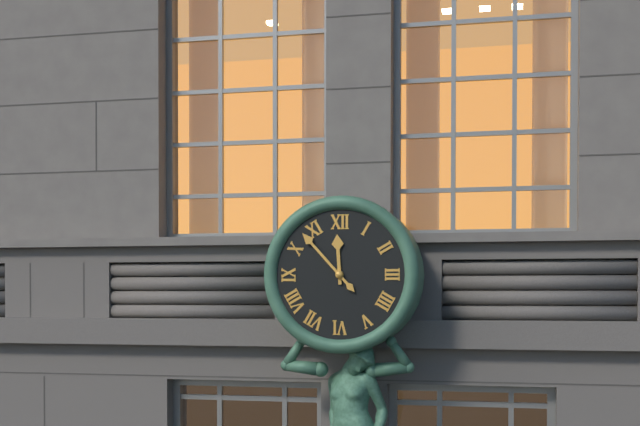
11:53
